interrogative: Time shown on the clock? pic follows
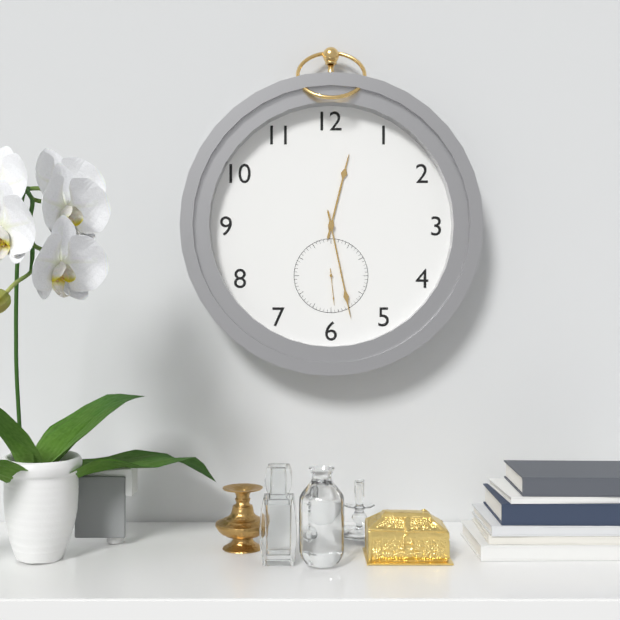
12:28
